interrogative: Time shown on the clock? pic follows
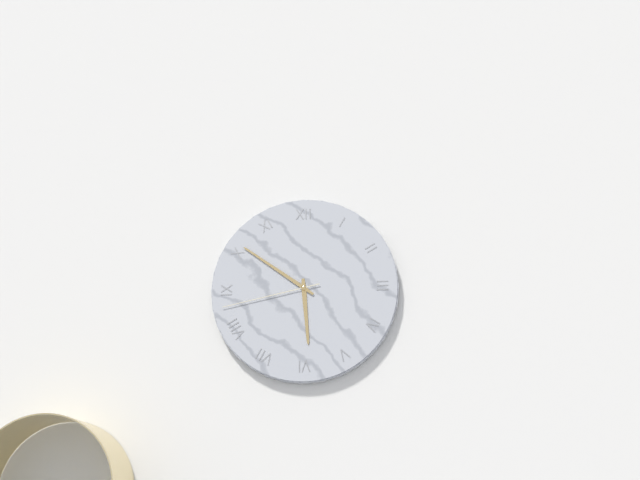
5:51:43
